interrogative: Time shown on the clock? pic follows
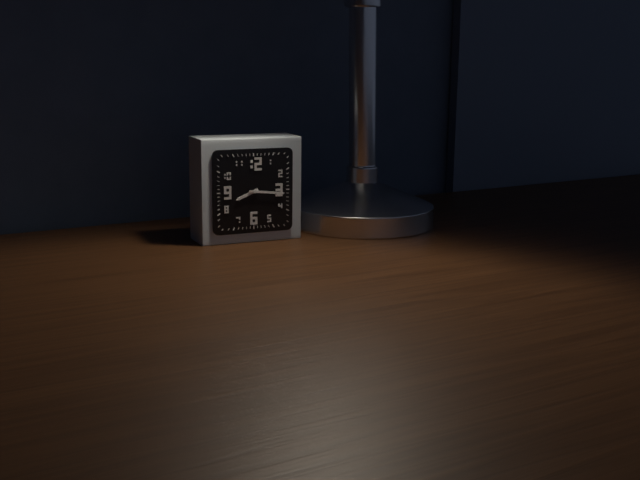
8:16
